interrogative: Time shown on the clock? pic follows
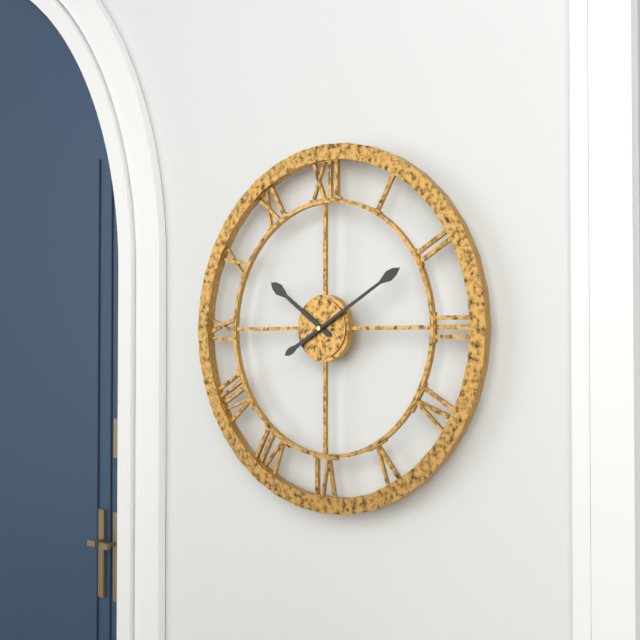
10:10
